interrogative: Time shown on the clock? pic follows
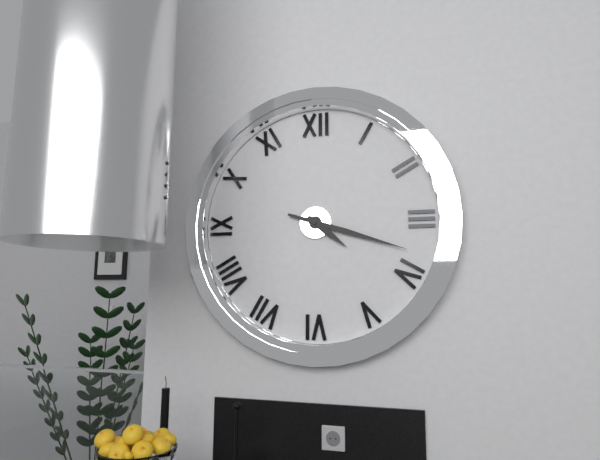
4:18
